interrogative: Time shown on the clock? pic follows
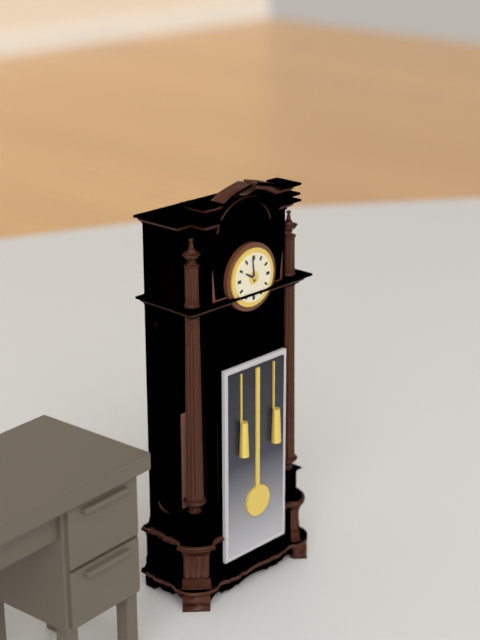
9:59
